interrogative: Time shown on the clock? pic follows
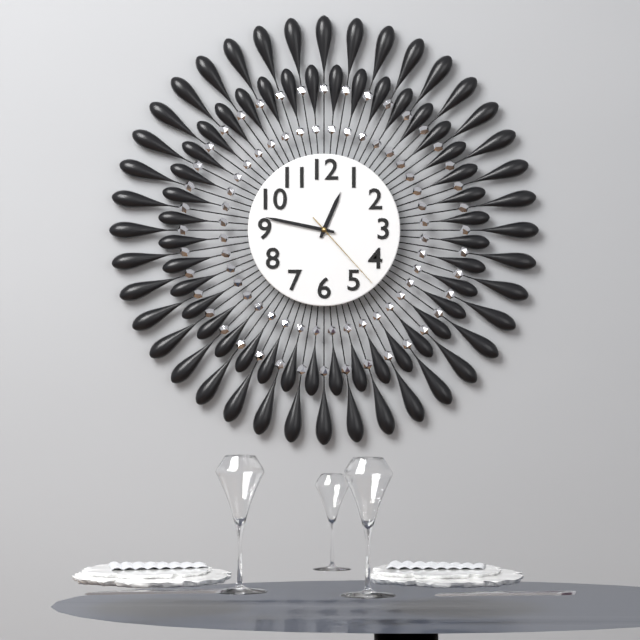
12:47:23
